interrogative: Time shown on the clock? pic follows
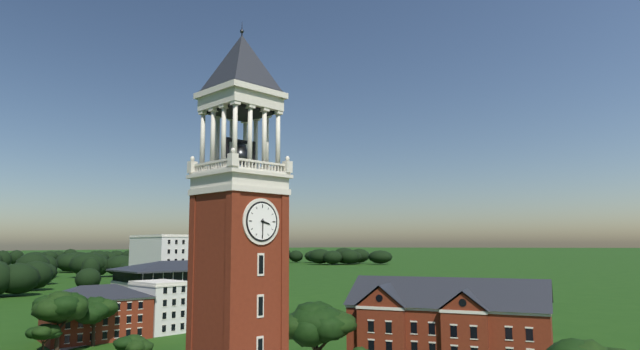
3:30
